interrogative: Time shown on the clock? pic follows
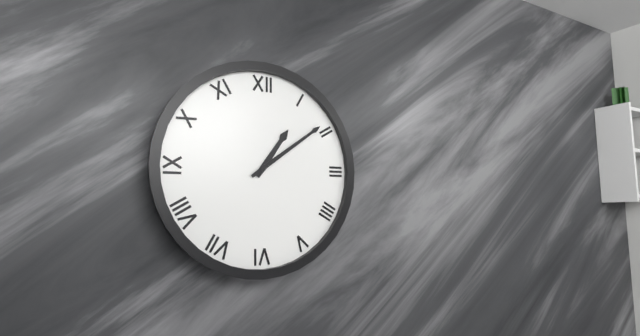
1:09
